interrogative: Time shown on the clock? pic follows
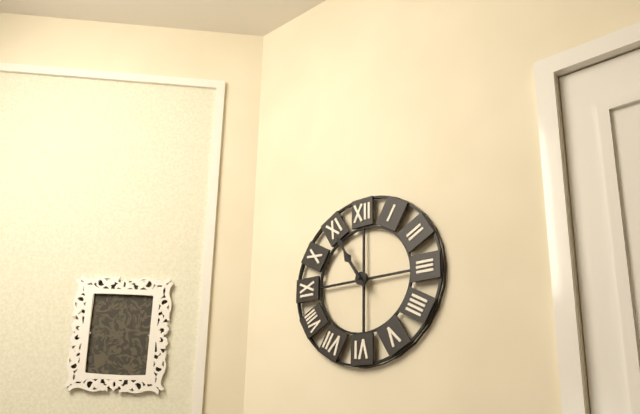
10:55
